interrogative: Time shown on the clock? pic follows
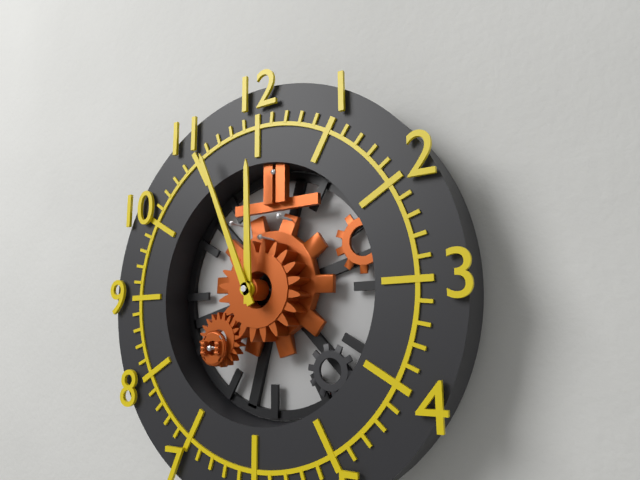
11:56
